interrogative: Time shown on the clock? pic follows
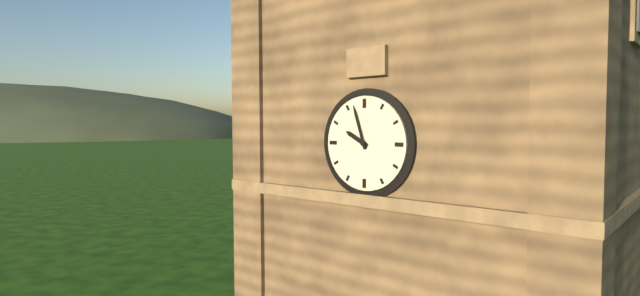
9:57
